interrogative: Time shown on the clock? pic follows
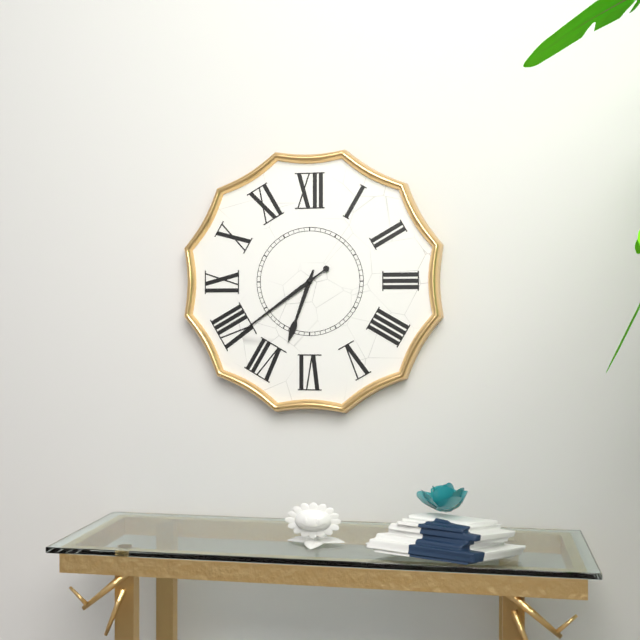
6:39
